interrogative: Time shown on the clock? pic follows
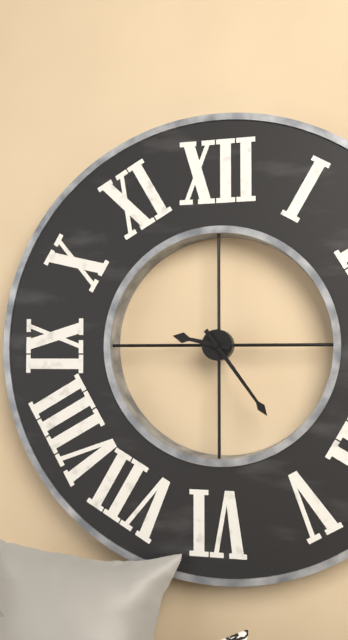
9:24
